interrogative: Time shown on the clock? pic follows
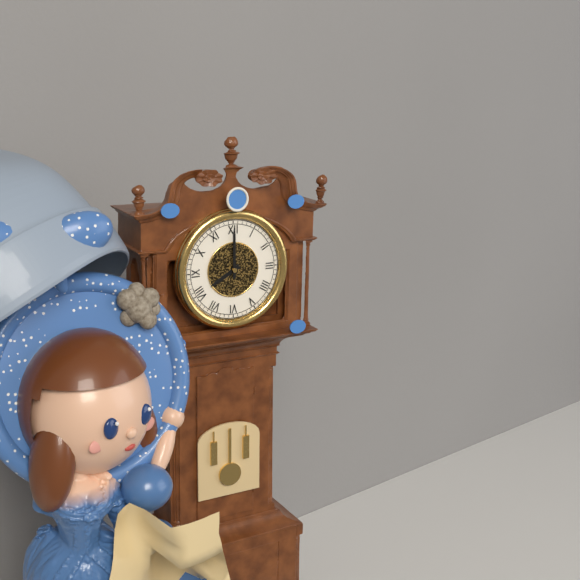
8:00
